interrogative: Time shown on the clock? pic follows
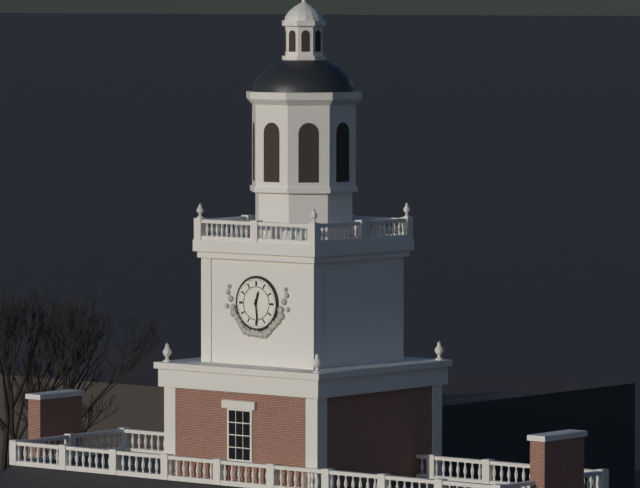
12:29
